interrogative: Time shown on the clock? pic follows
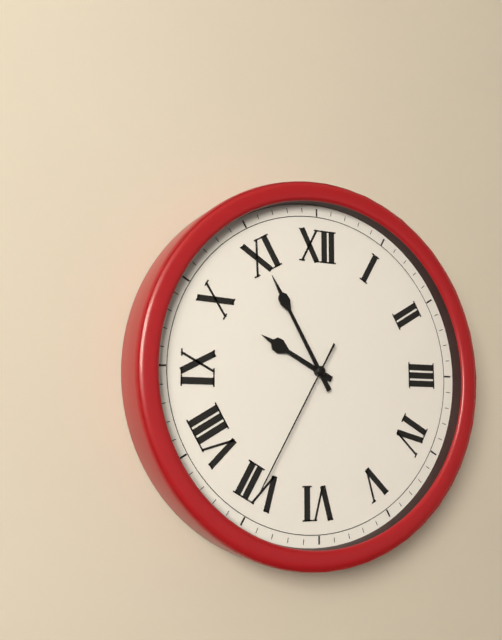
9:55:35
